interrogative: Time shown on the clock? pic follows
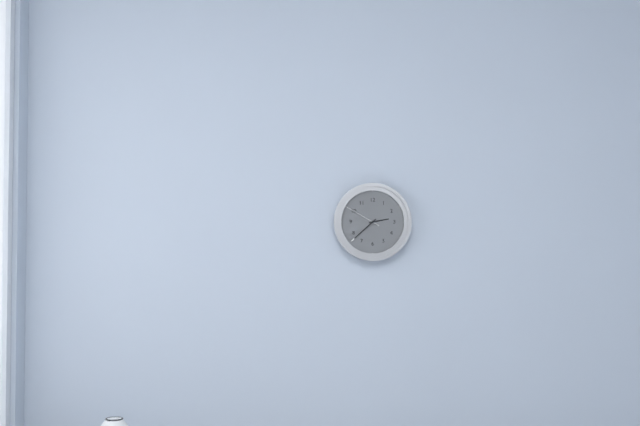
2:38
